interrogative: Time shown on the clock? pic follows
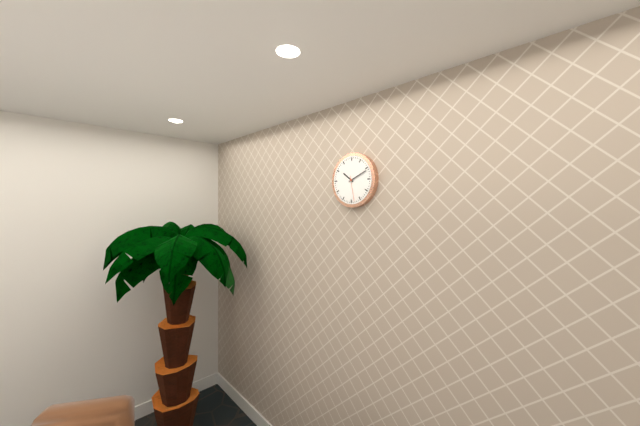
10:11
